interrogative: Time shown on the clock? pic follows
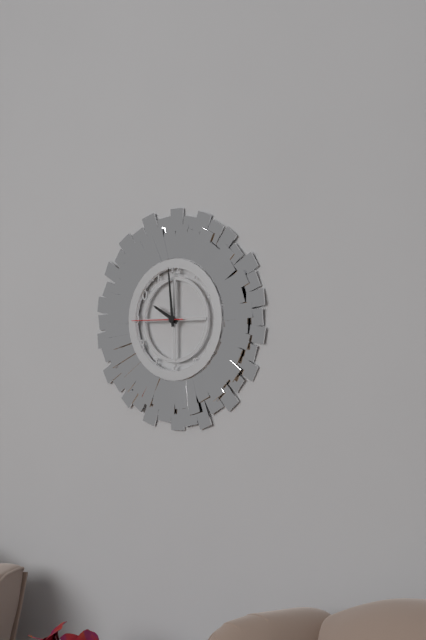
9:59:45
